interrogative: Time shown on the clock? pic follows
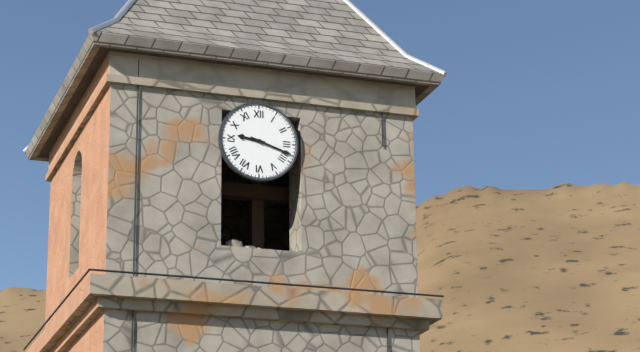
9:18
